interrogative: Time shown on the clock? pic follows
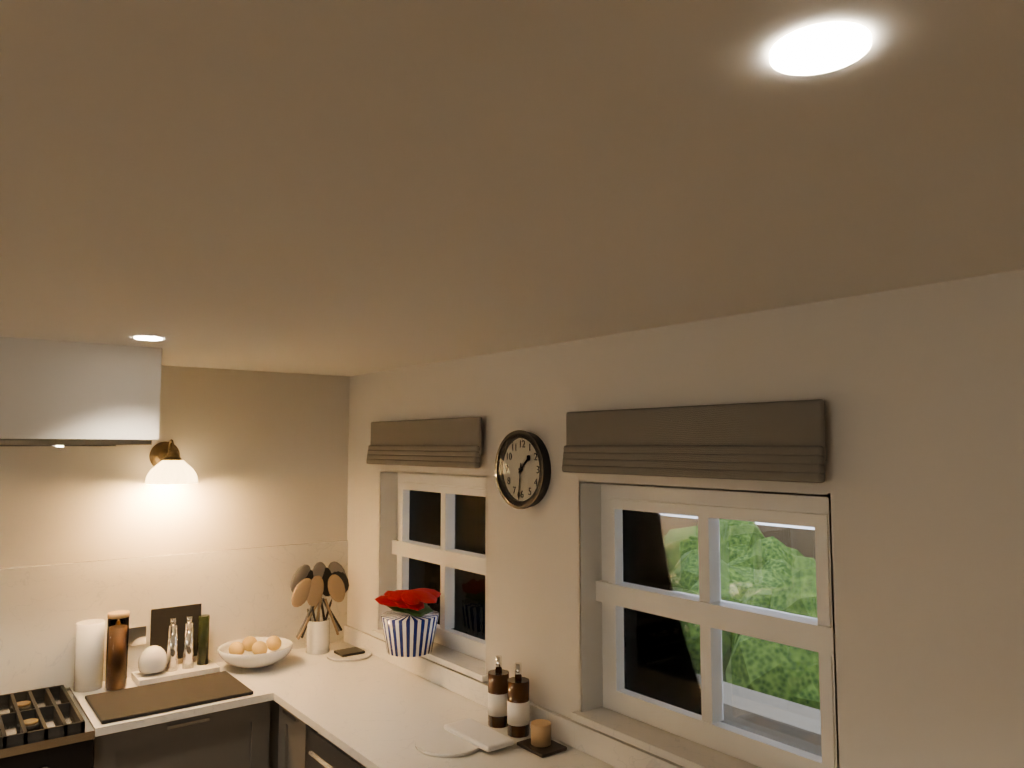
1:31
